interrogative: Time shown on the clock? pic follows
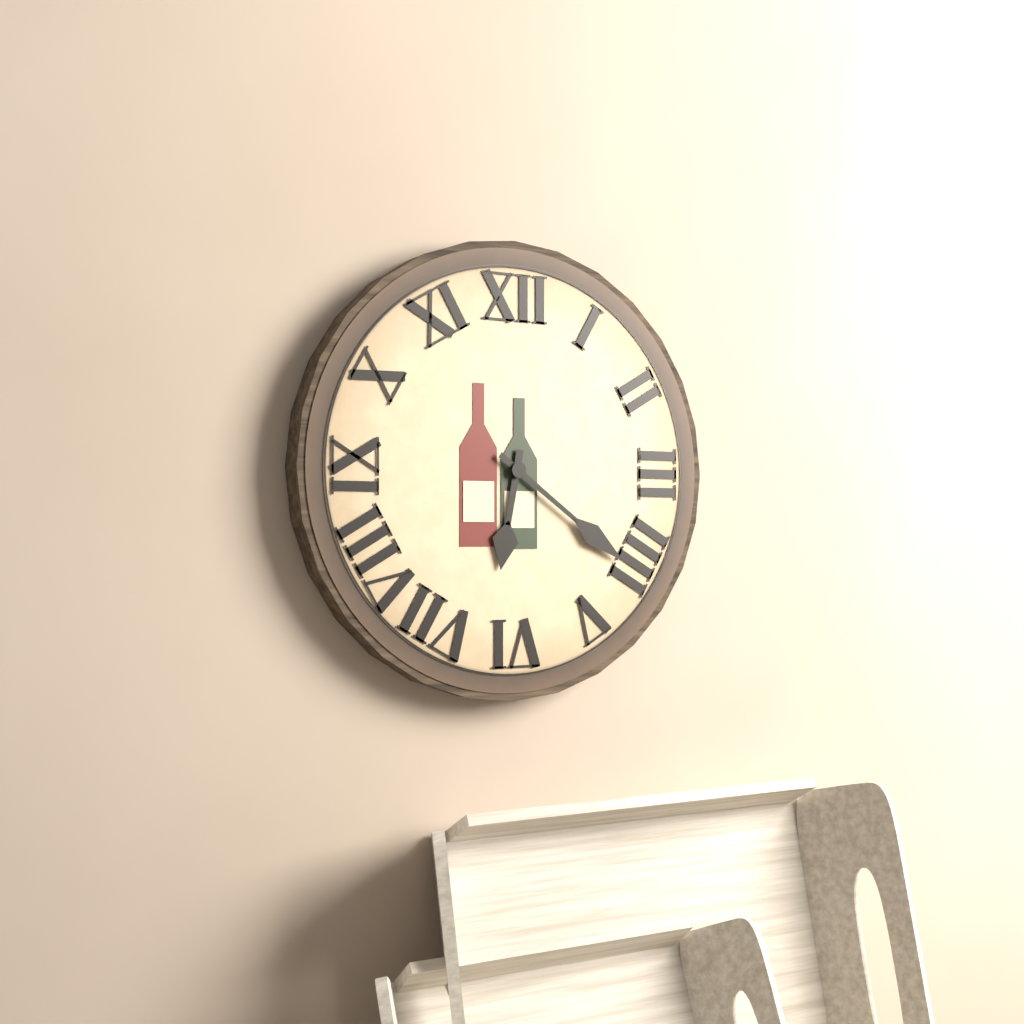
6:21
